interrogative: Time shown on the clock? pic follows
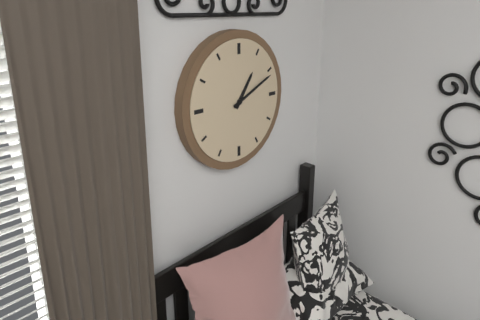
1:11
